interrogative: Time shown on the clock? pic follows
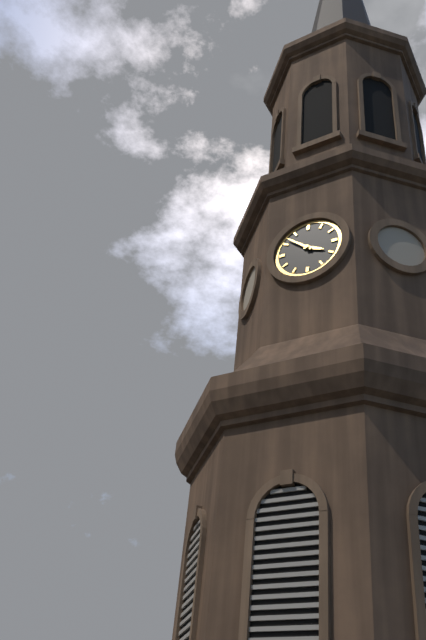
3:52
